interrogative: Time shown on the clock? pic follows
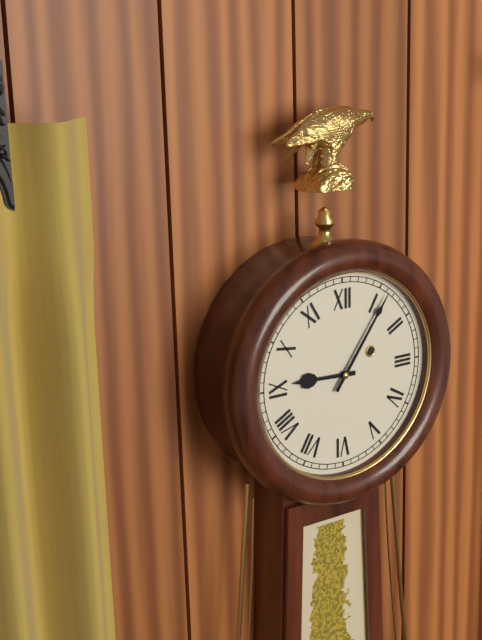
9:06
